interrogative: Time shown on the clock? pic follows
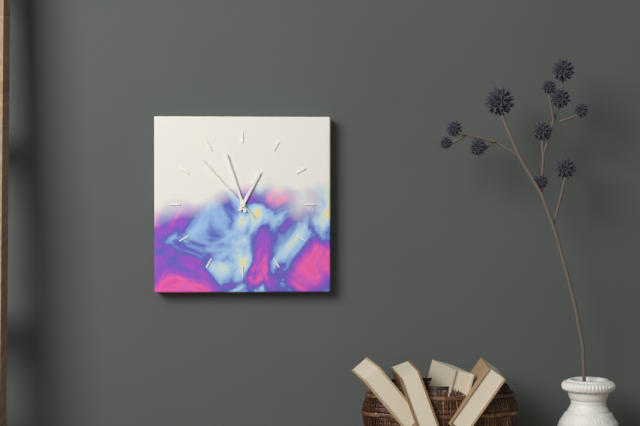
12:57:53
